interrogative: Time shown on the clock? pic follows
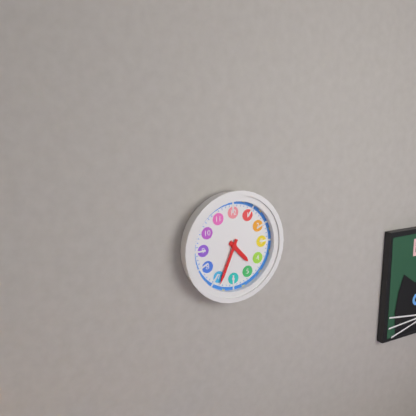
4:34
